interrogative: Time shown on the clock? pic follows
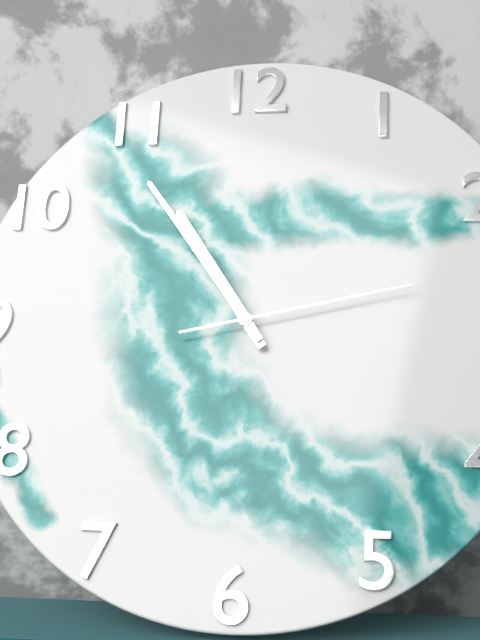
10:54:13
